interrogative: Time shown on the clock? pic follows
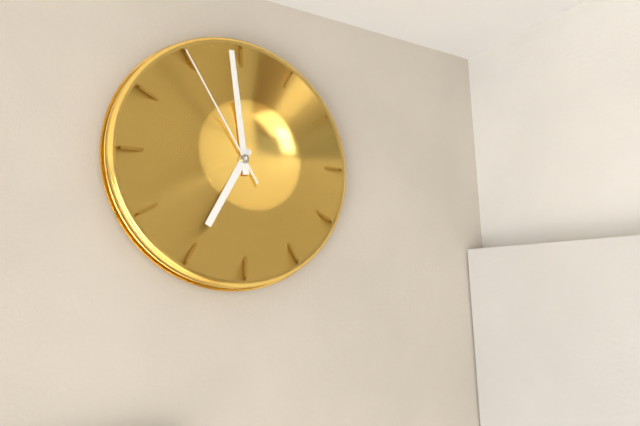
6:59:55
